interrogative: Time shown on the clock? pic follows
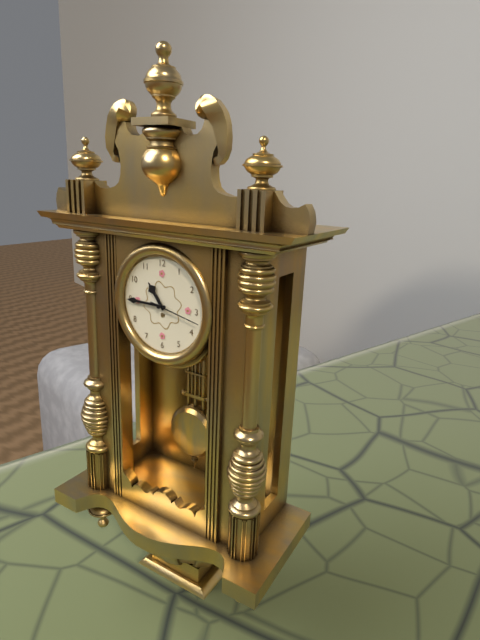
10:45:17
